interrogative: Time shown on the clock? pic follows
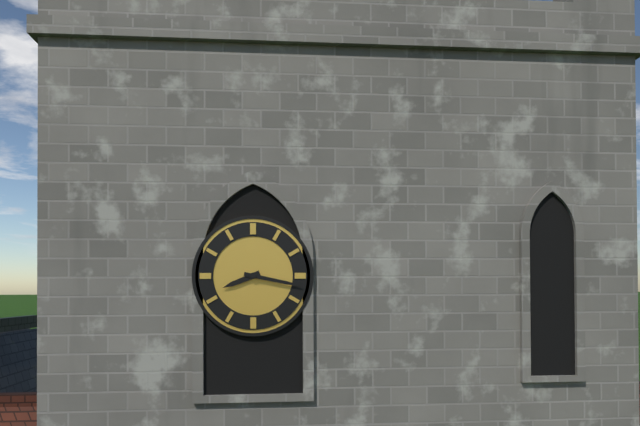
8:17
